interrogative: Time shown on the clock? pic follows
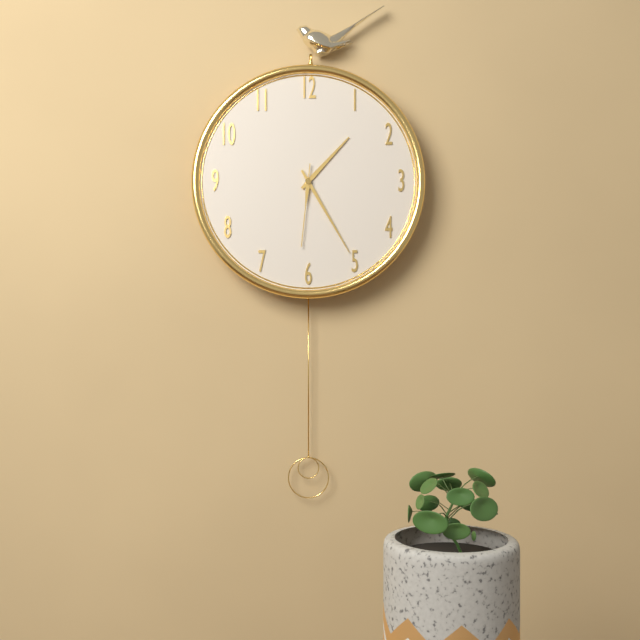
1:25:31
